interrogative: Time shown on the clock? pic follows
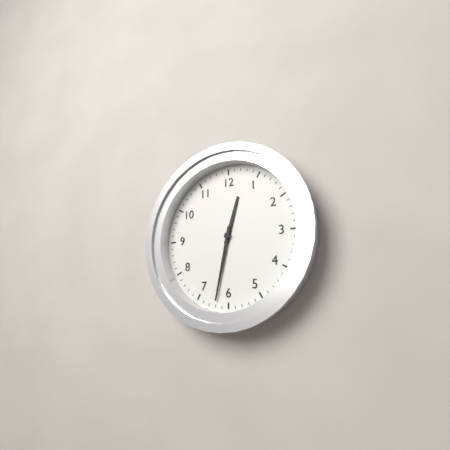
12:32
